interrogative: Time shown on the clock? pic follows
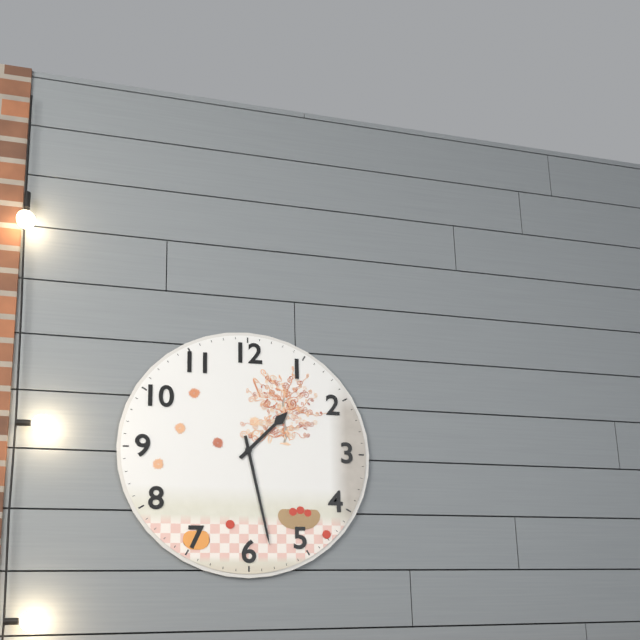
1:28
